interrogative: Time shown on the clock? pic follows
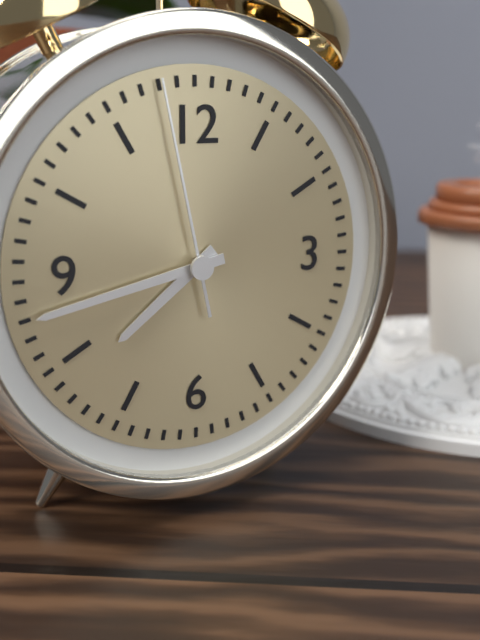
7:43:58
